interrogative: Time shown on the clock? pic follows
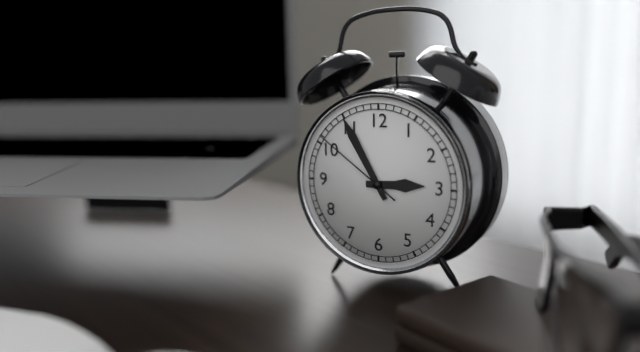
2:55:51
